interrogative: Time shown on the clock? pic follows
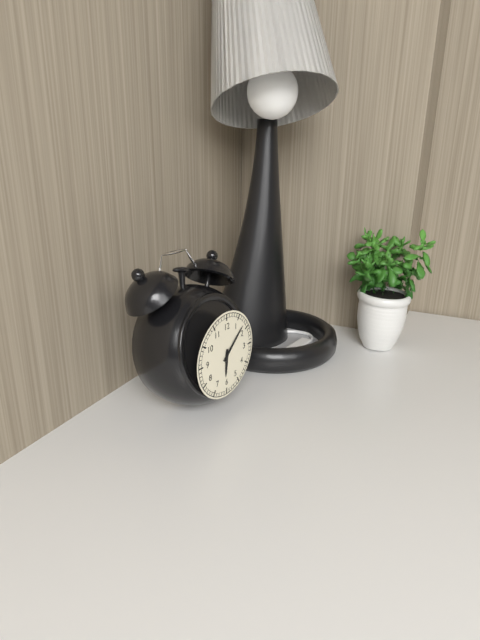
6:08
